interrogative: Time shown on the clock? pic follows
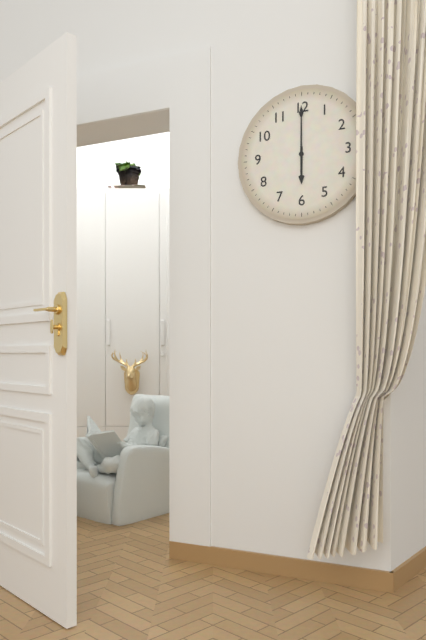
6:00
